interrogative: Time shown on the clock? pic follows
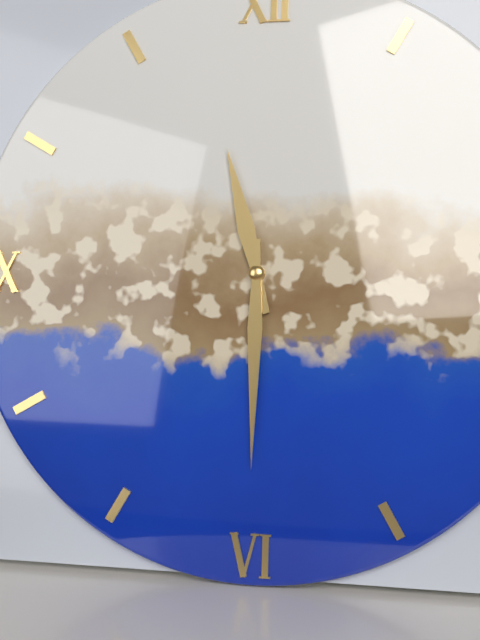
11:30
